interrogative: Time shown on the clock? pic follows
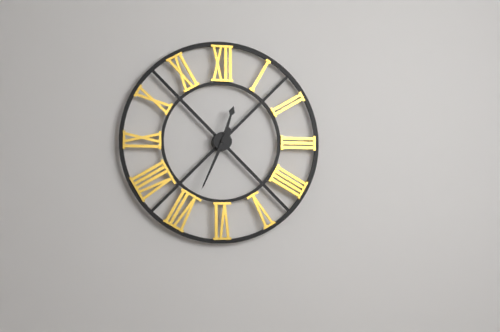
12:34
